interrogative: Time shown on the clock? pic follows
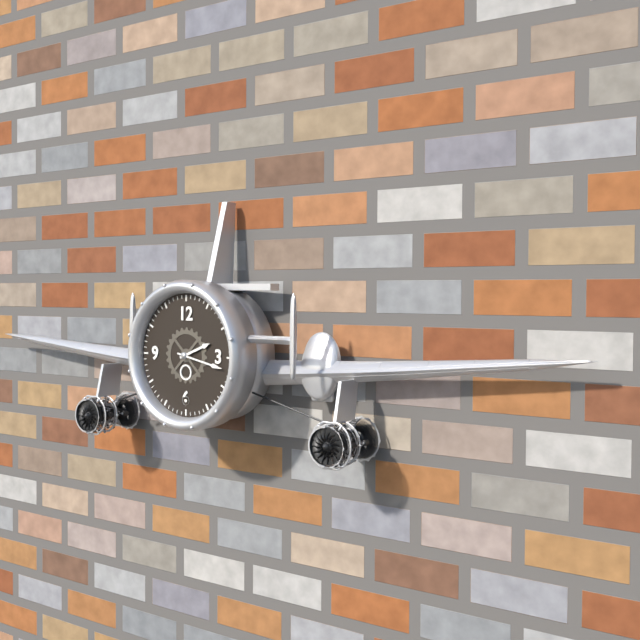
2:17
